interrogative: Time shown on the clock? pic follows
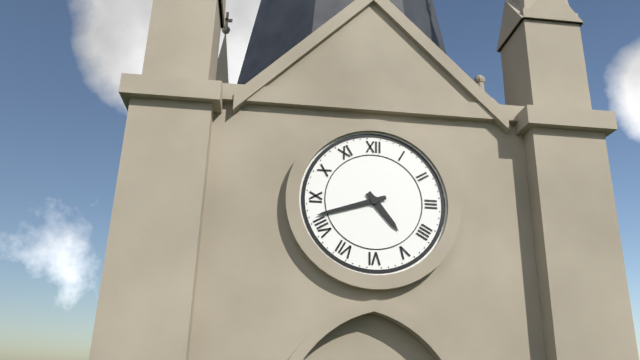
4:42
